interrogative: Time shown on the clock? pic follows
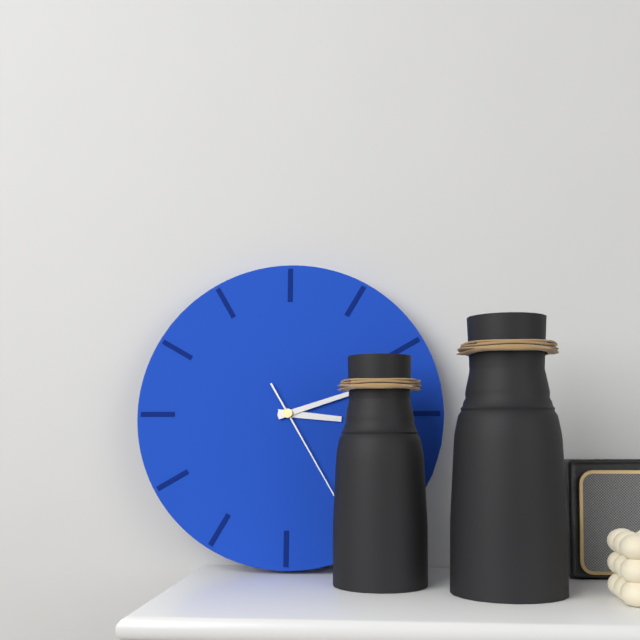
3:12:25
